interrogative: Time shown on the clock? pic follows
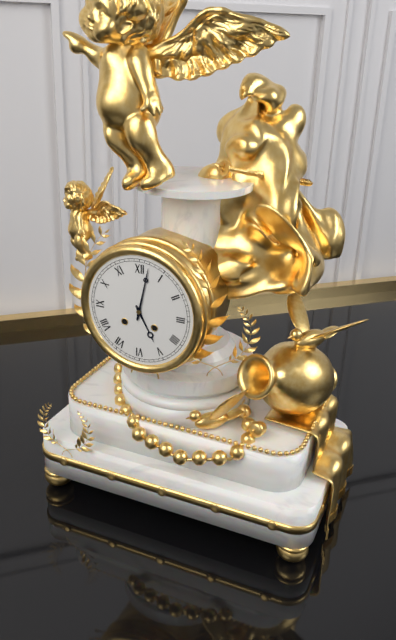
5:02
